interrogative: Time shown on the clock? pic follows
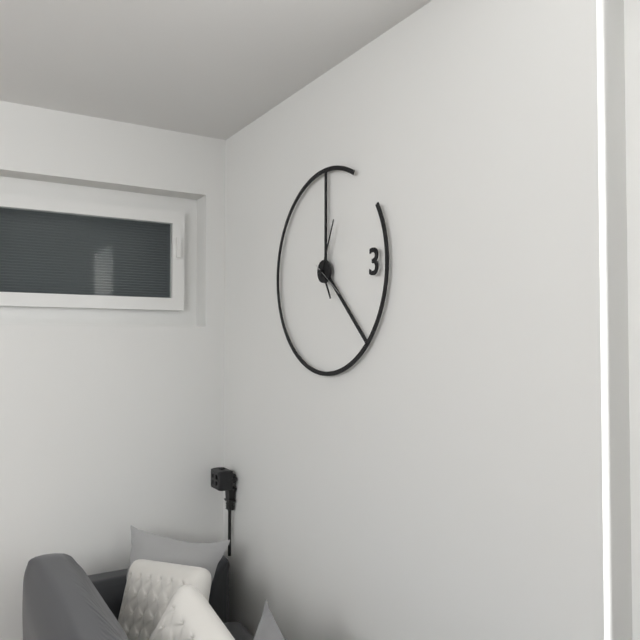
5:04
